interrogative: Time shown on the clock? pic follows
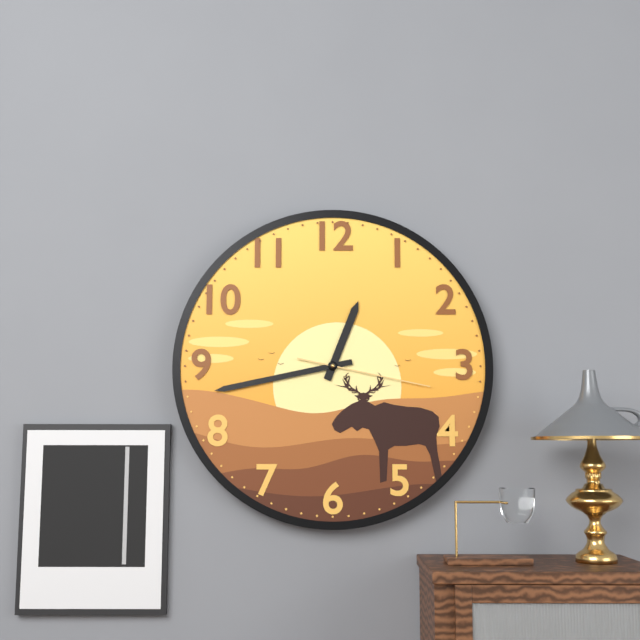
12:43:17
